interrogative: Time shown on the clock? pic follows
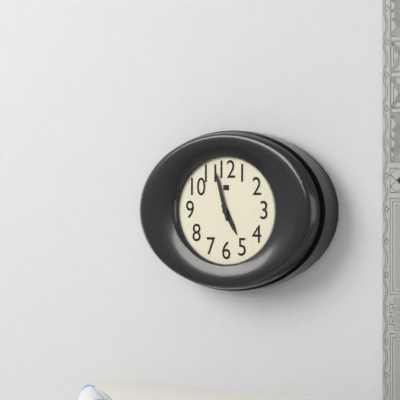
4:57
